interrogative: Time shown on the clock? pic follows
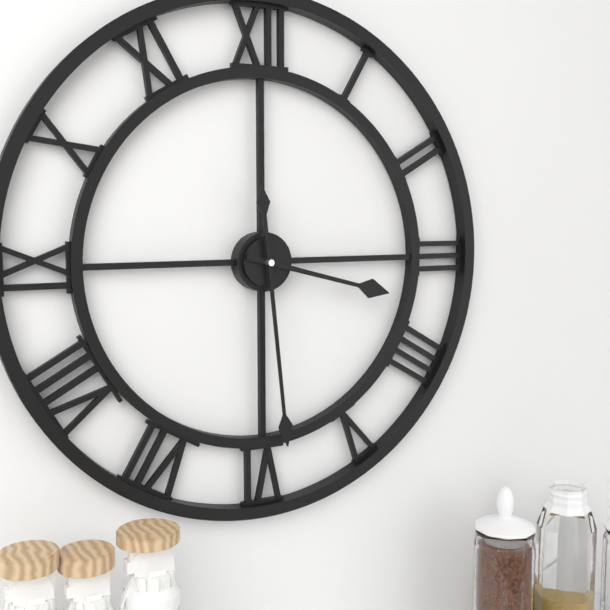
3:29
